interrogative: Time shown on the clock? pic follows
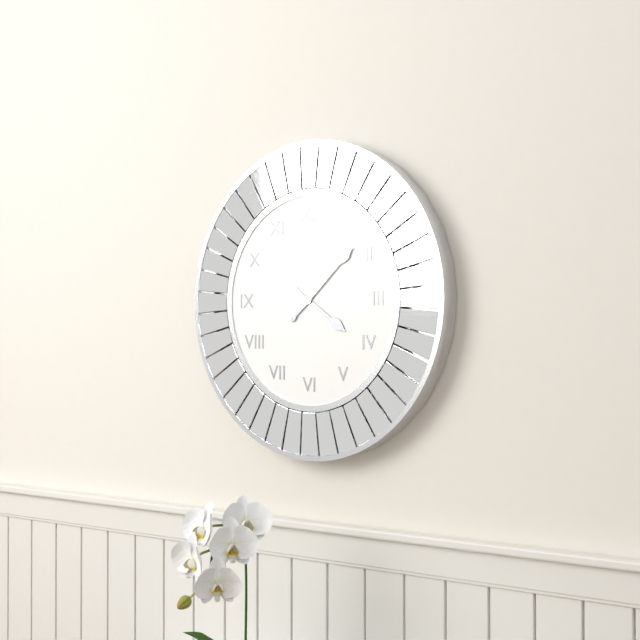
4:08
